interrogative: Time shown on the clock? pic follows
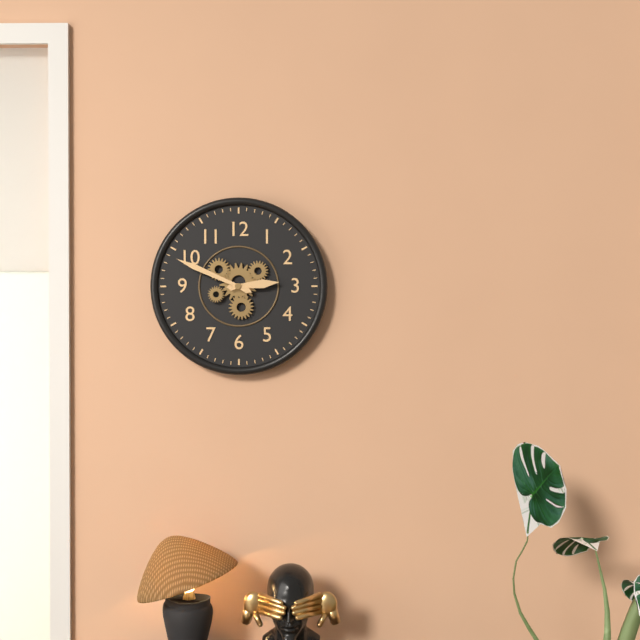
2:49
